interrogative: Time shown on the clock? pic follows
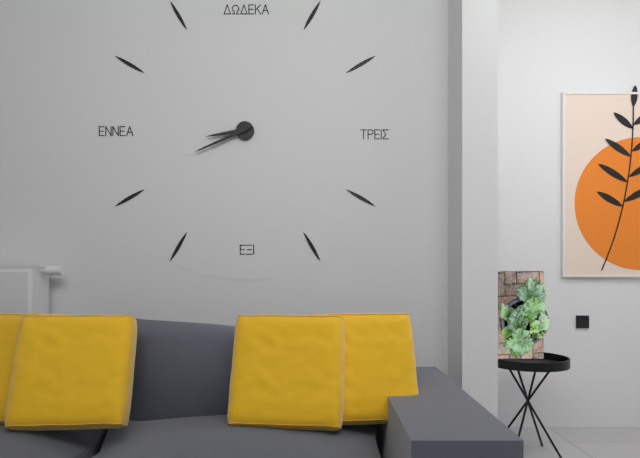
8:41
